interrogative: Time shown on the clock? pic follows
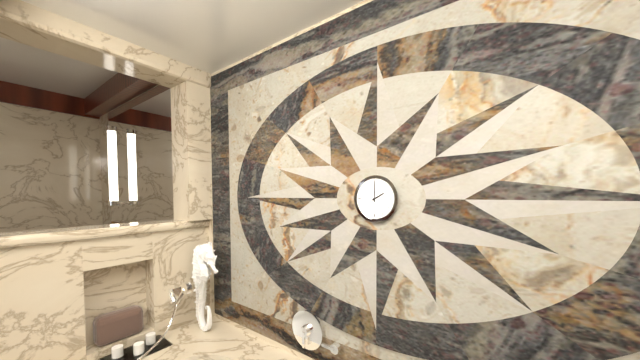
2:00
